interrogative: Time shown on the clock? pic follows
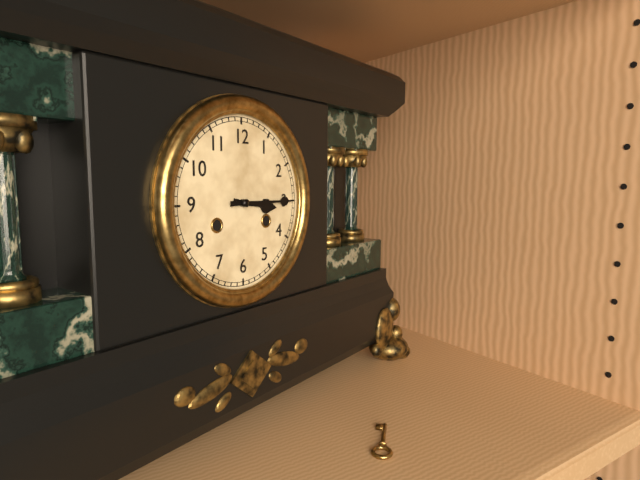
3:15
